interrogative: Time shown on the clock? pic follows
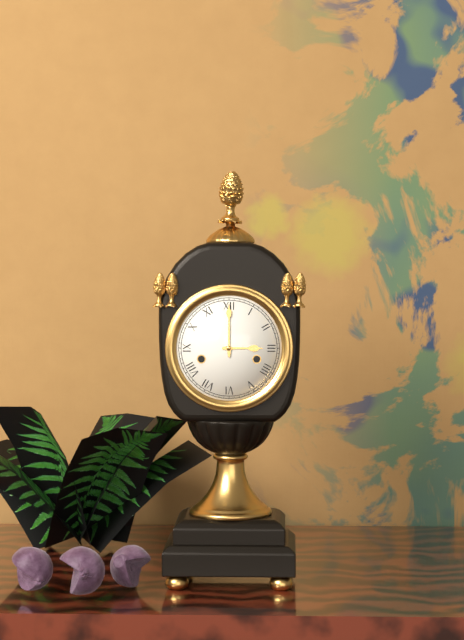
3:00
